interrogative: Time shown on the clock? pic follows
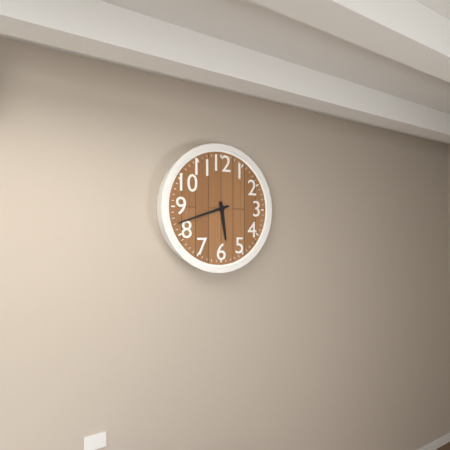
5:42
